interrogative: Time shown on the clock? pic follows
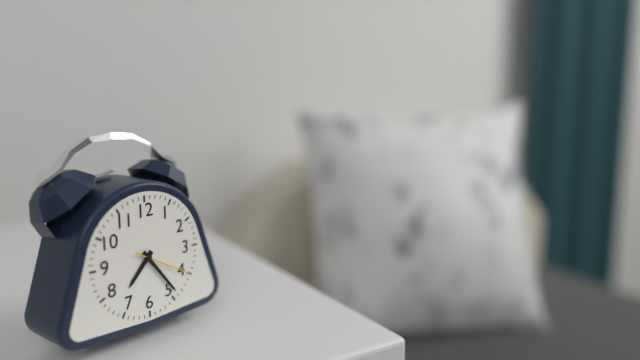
7:24:20
